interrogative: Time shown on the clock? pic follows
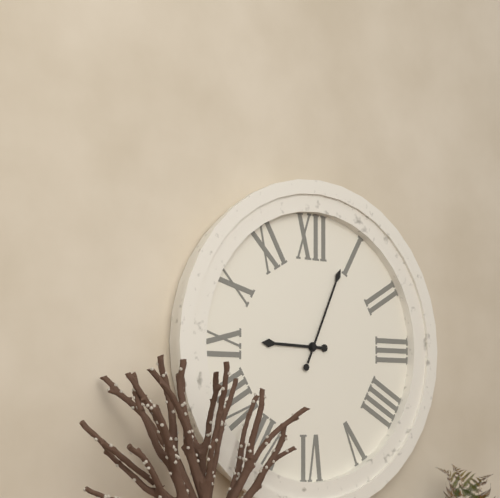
9:04
